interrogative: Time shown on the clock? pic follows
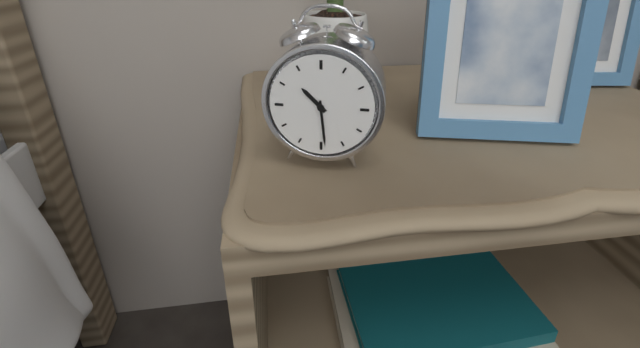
10:29
